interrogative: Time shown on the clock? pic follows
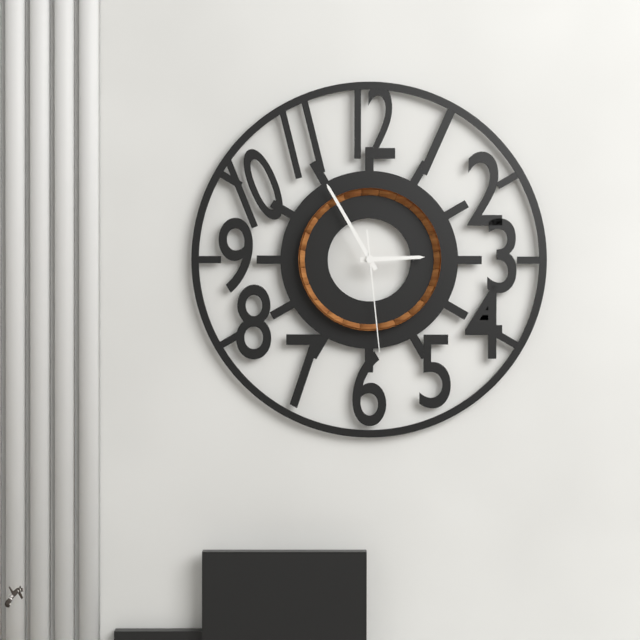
2:55:29
